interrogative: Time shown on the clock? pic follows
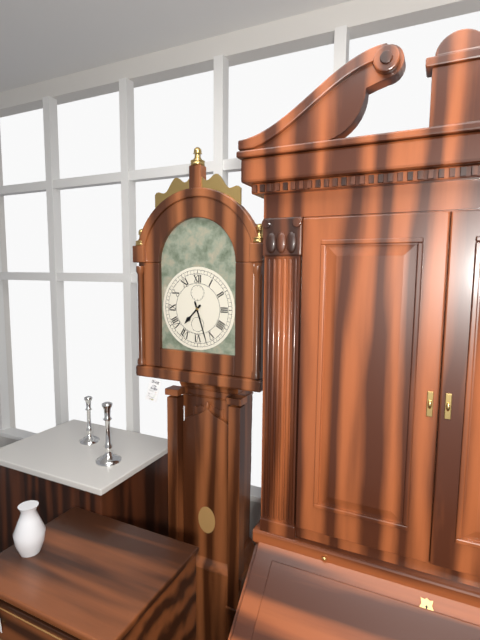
7:27
